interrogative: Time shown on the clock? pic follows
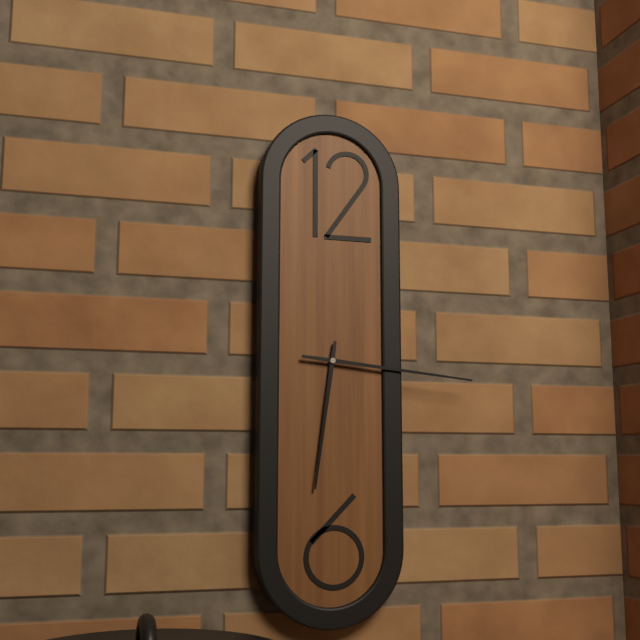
6:16
